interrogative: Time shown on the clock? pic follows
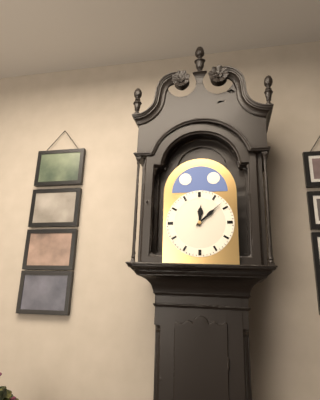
12:08
